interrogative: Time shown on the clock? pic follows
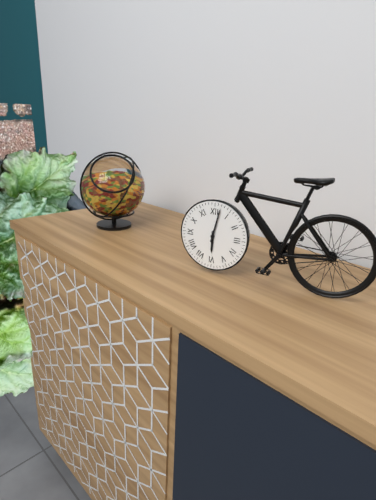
6:02
